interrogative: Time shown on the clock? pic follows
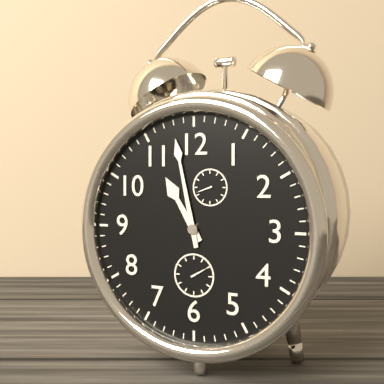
10:58
